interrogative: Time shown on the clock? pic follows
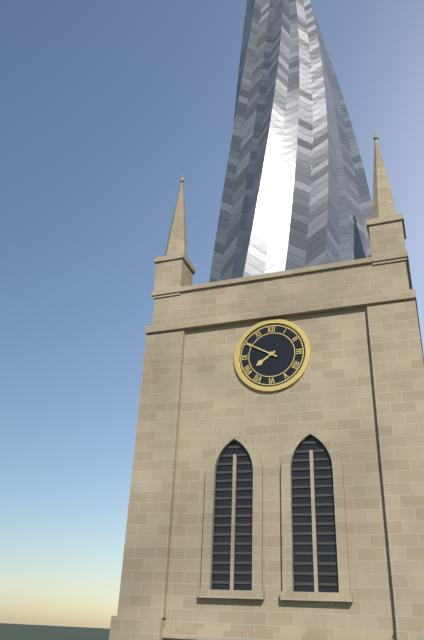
7:50
